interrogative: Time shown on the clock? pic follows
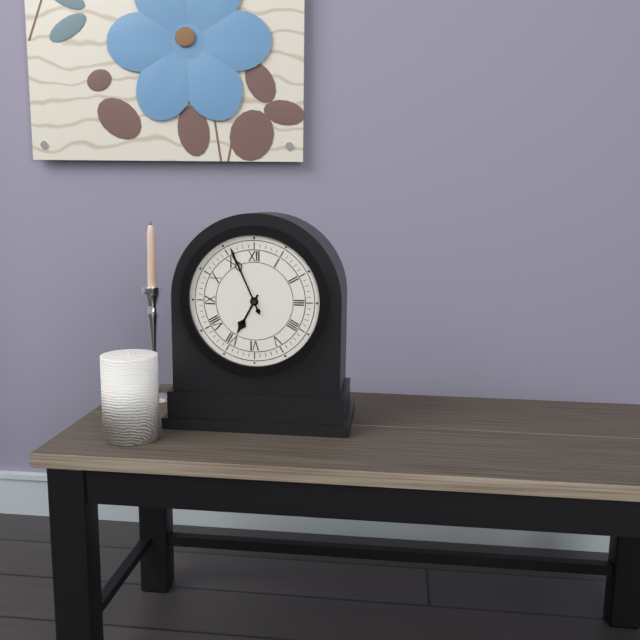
6:56
